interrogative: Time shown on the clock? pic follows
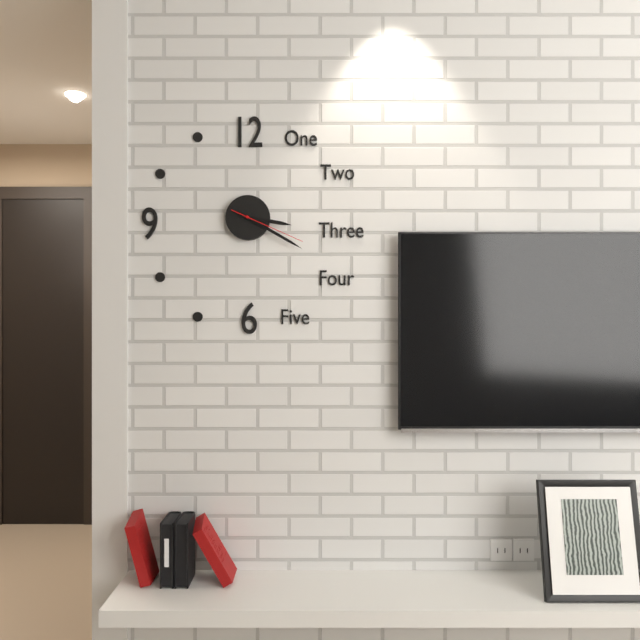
3:20:19
